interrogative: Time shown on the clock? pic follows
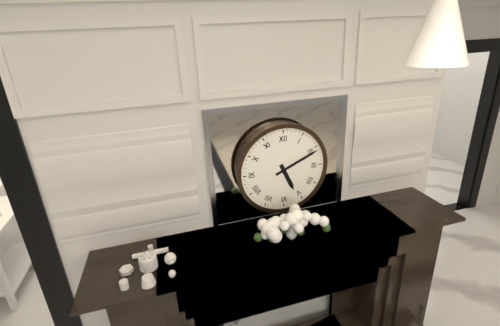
5:11
